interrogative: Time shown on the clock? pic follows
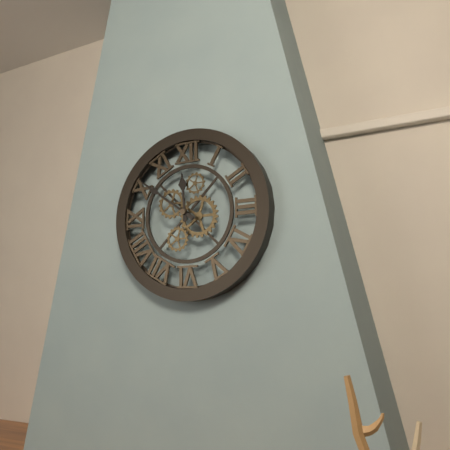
11:51
